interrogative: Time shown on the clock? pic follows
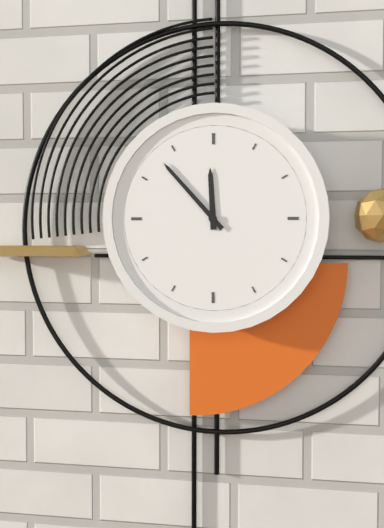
11:53
